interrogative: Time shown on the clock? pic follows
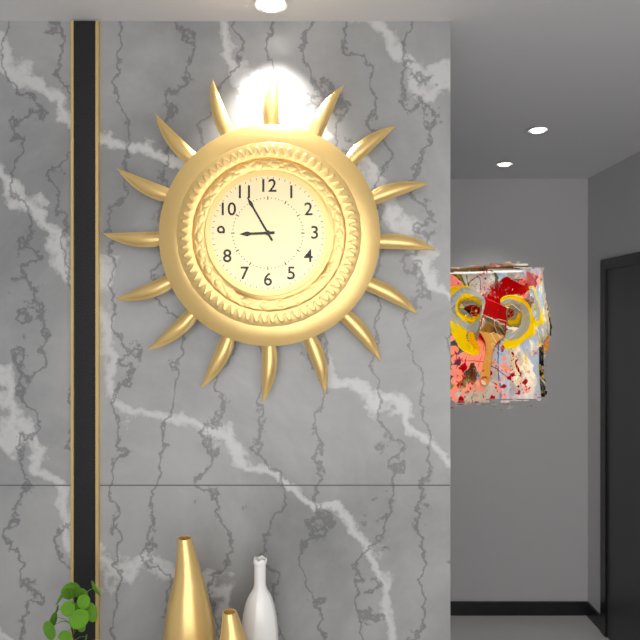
8:55
